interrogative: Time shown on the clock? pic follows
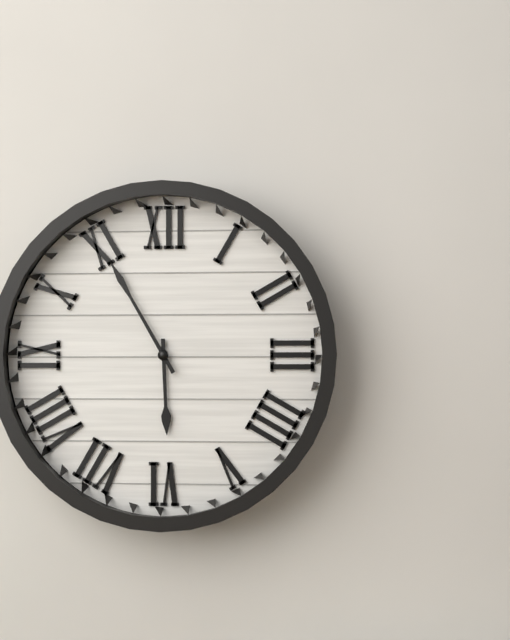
5:55
